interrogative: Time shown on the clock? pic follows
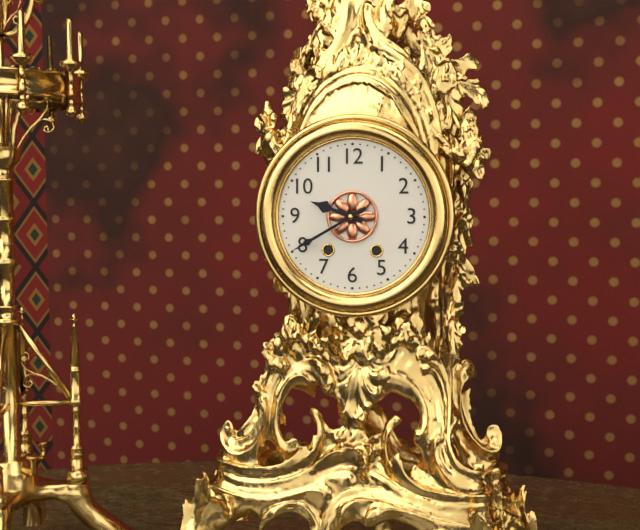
9:40
